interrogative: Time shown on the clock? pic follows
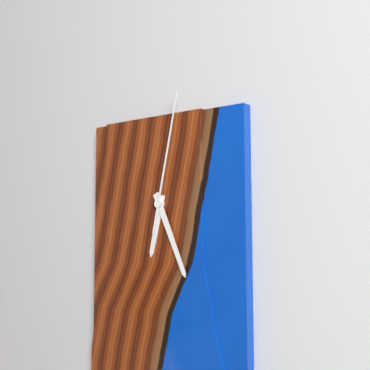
6:26:02
